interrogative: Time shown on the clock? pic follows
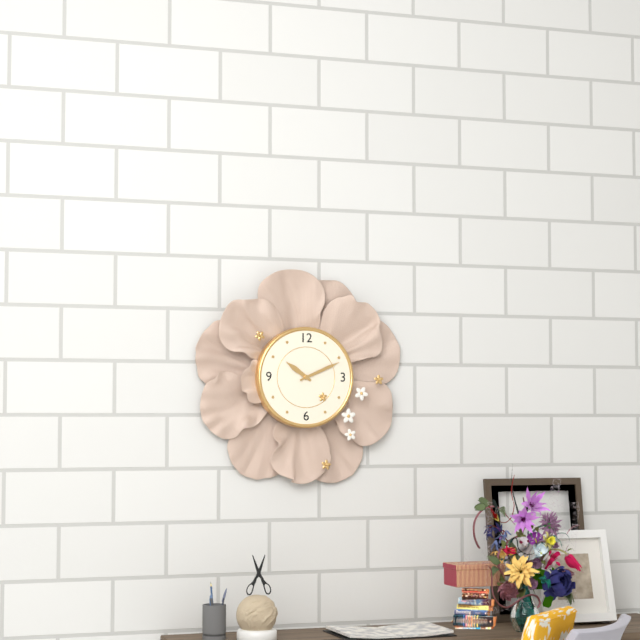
10:11
